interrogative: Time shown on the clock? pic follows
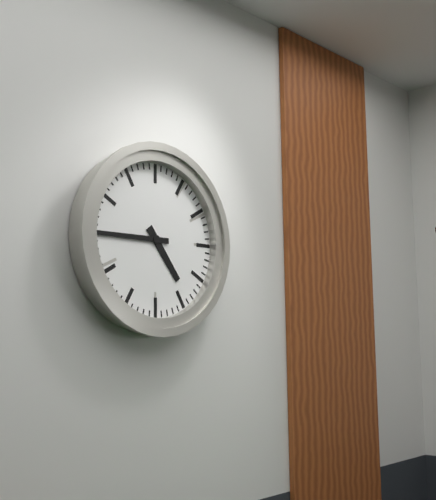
4:45
